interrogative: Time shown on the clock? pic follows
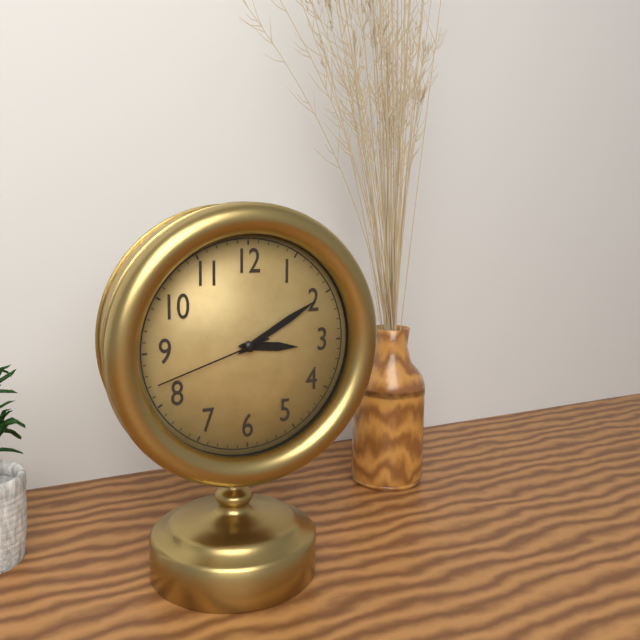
3:10:42
